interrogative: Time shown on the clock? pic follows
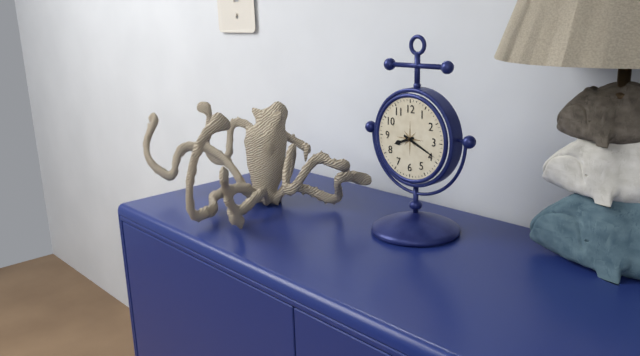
8:19
